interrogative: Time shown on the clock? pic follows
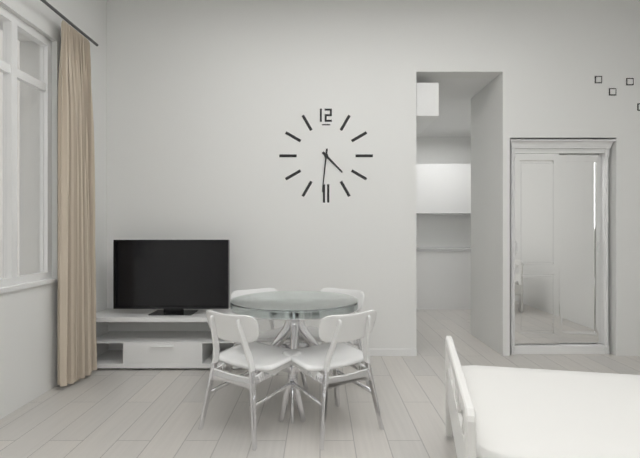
4:31
